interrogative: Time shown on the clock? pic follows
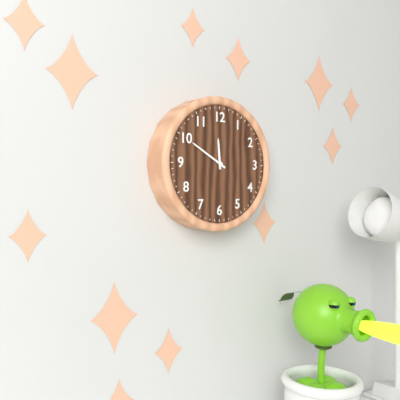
11:50
